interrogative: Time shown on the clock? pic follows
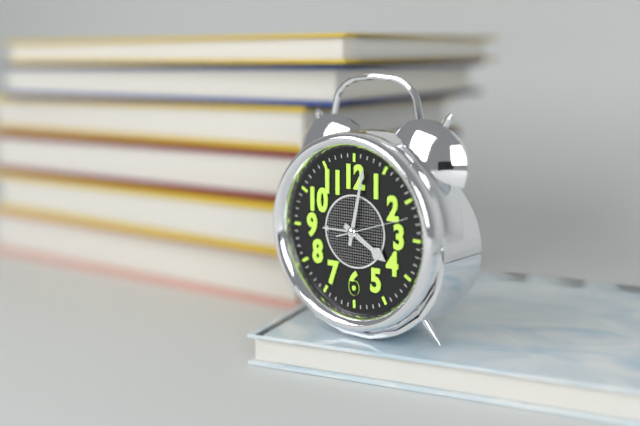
4:02:12
